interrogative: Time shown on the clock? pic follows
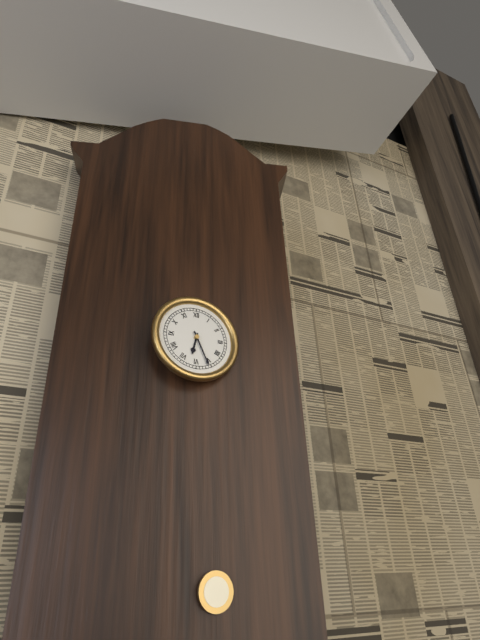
6:26
